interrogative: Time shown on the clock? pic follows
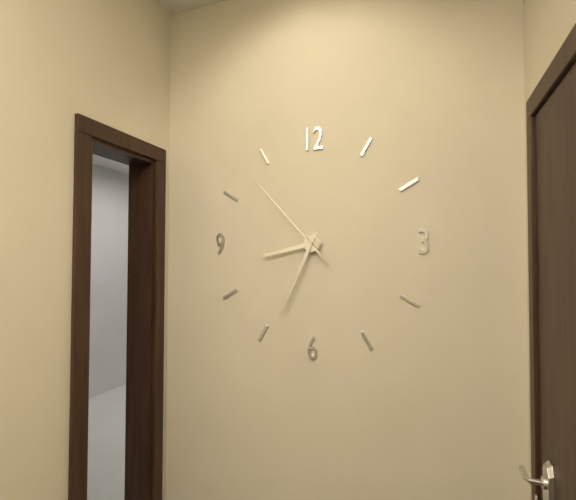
8:34:53
